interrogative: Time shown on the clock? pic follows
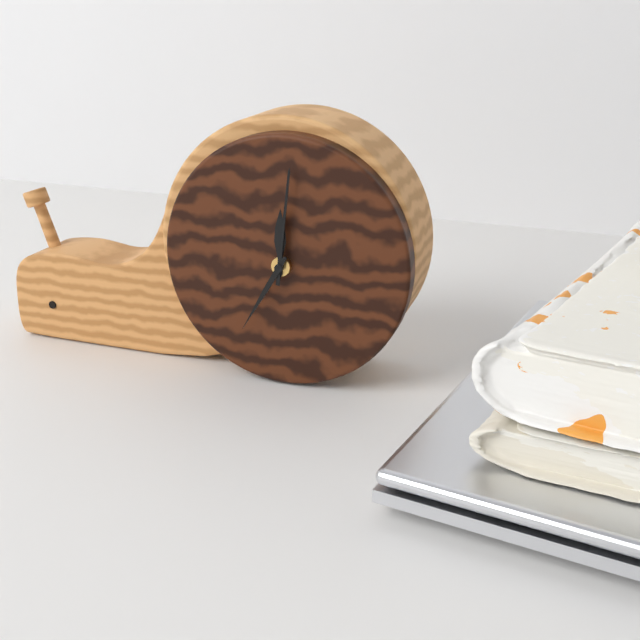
12:01:35
